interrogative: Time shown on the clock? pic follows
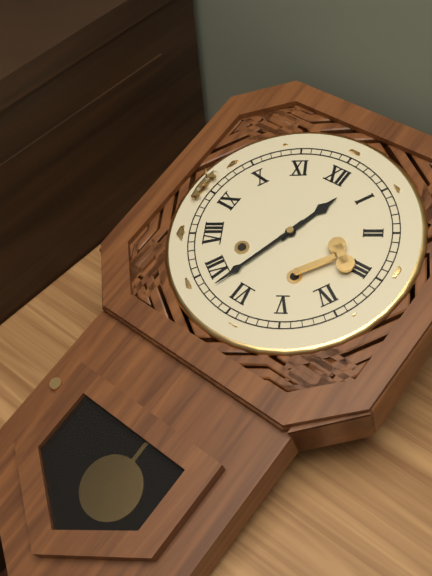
12:33
